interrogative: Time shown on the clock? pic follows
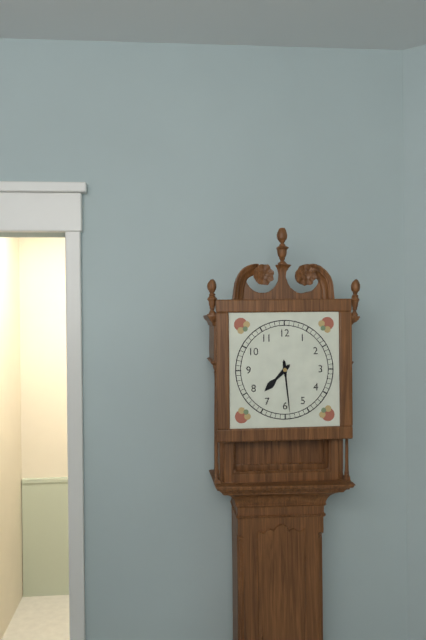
7:29
